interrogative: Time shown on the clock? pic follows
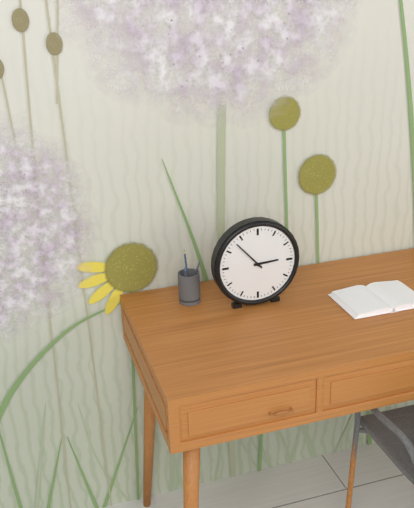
2:53
